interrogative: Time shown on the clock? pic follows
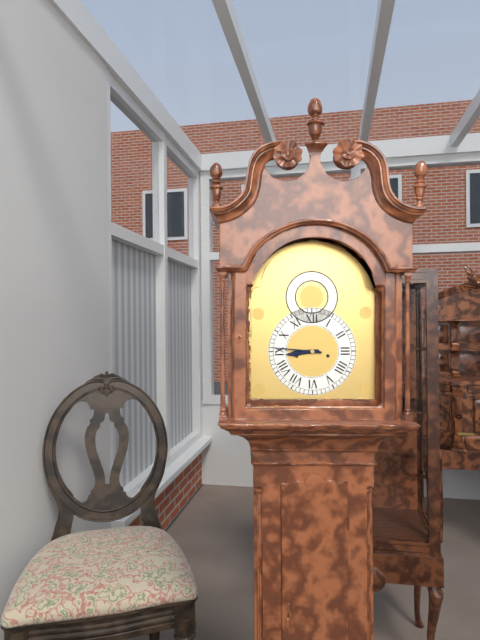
8:46
